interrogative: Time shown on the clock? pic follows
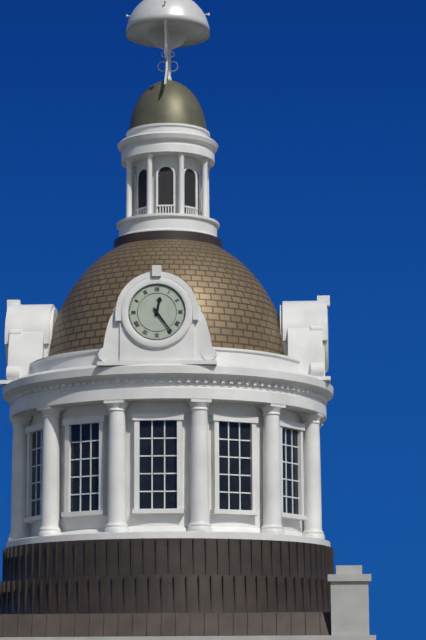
12:24
